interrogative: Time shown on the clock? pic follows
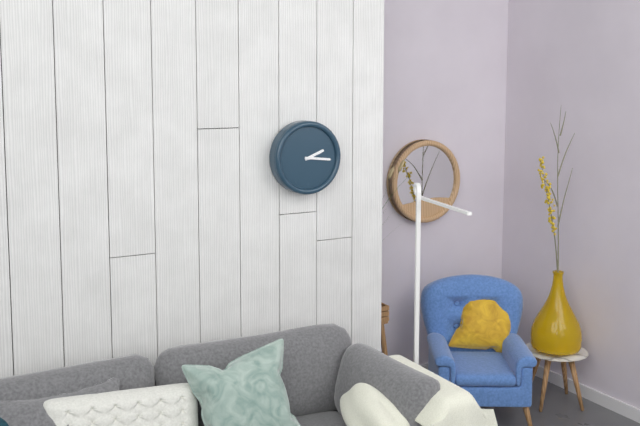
2:16
